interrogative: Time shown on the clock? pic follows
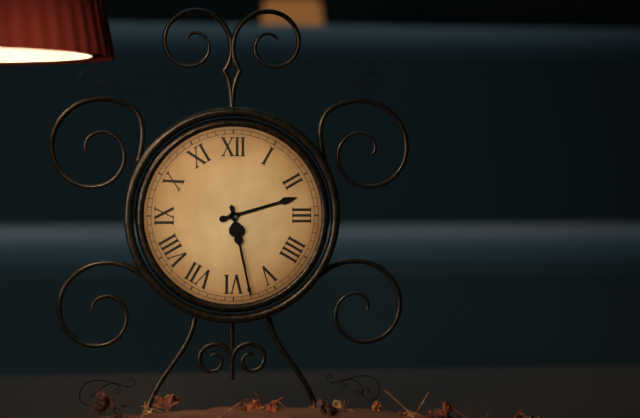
2:28
